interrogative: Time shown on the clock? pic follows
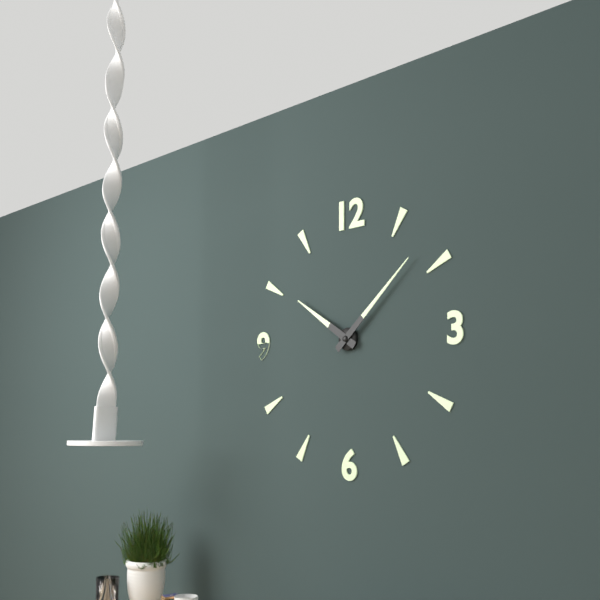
10:08
